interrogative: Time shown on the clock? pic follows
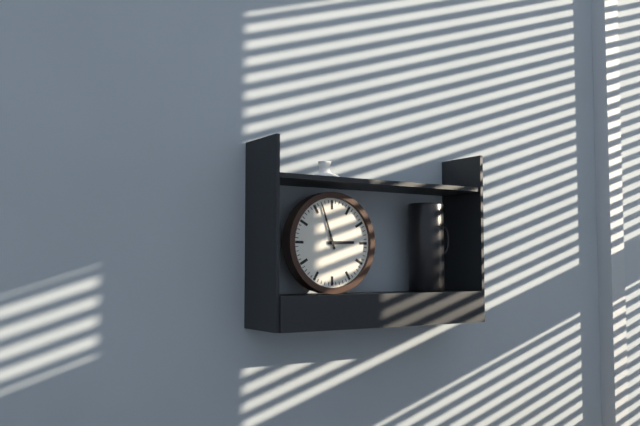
2:57
